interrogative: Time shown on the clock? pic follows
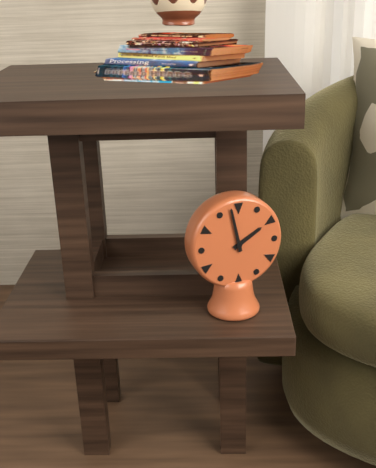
1:58
